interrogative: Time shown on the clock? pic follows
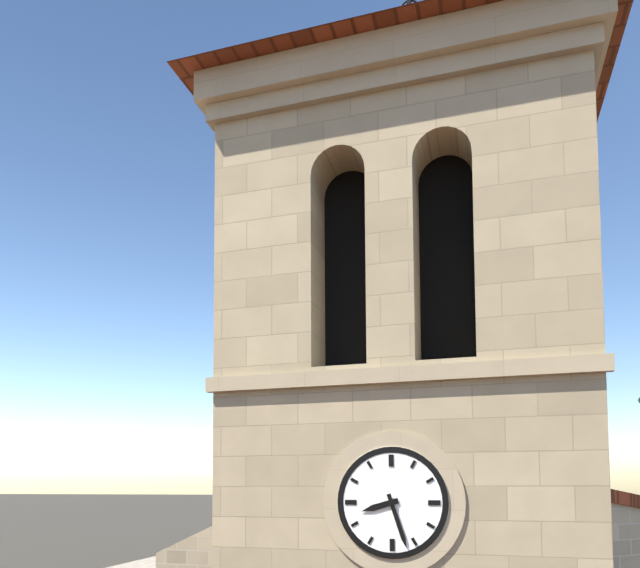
8:27
